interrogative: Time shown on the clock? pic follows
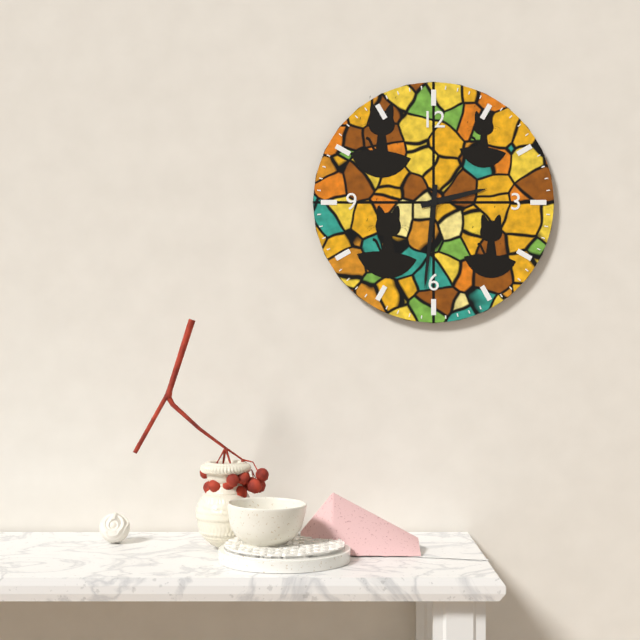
2:31
